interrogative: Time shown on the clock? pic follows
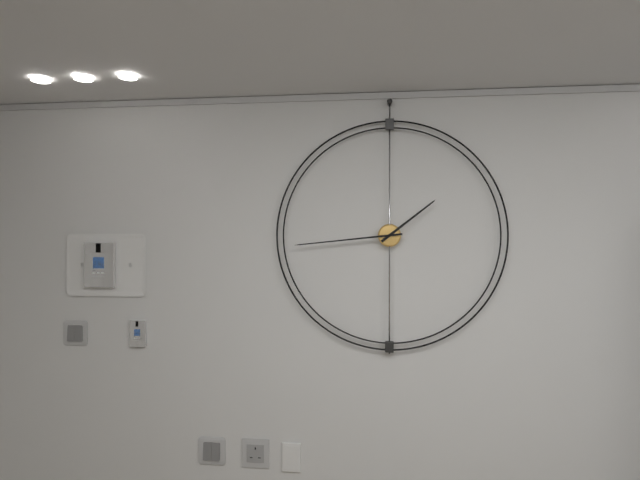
1:44
